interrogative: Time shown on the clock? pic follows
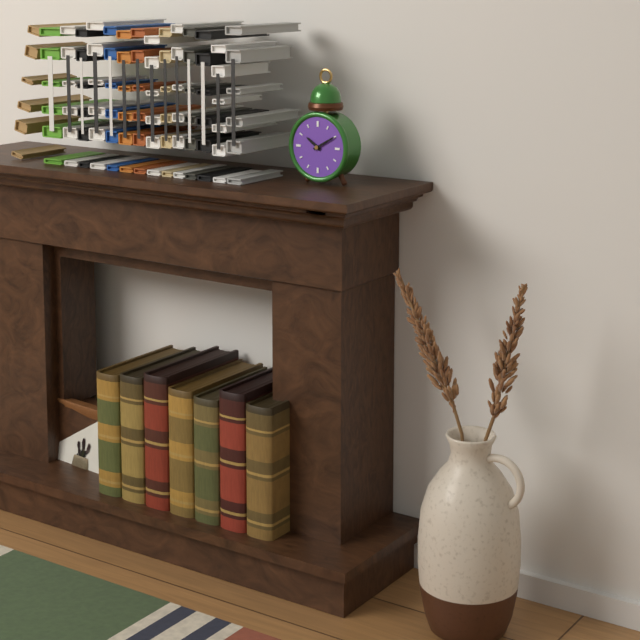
10:10
